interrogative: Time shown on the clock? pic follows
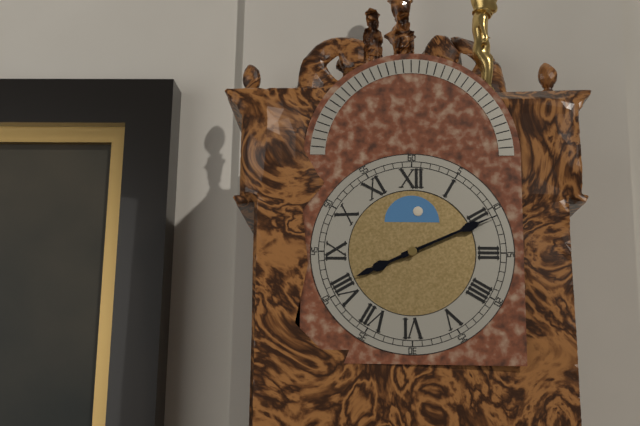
8:11
